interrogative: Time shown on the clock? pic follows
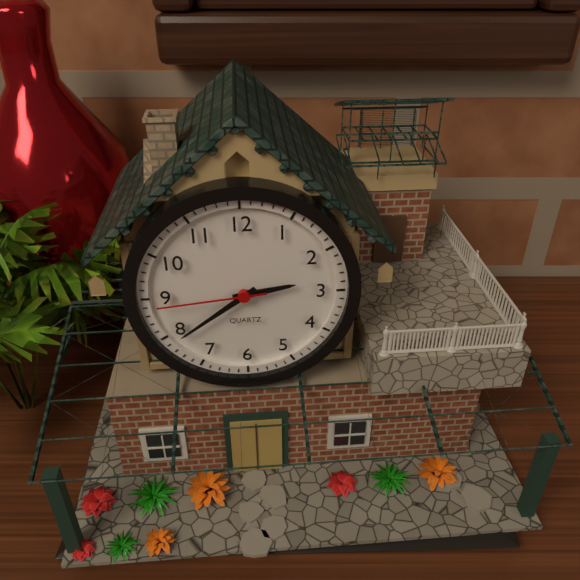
2:39:44
